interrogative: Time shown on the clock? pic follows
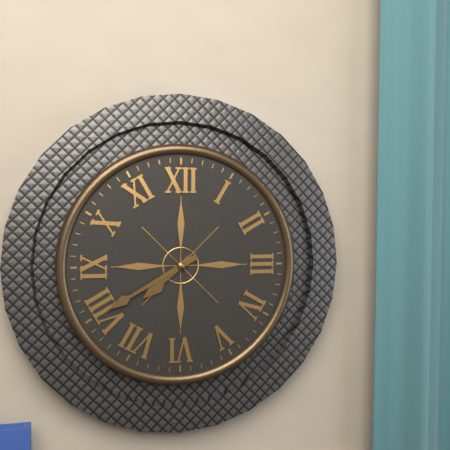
7:40
